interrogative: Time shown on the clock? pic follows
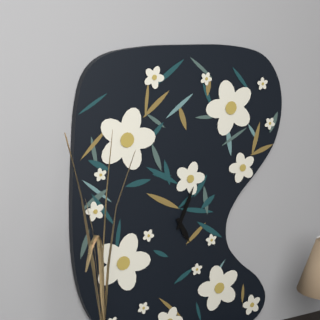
5:04
